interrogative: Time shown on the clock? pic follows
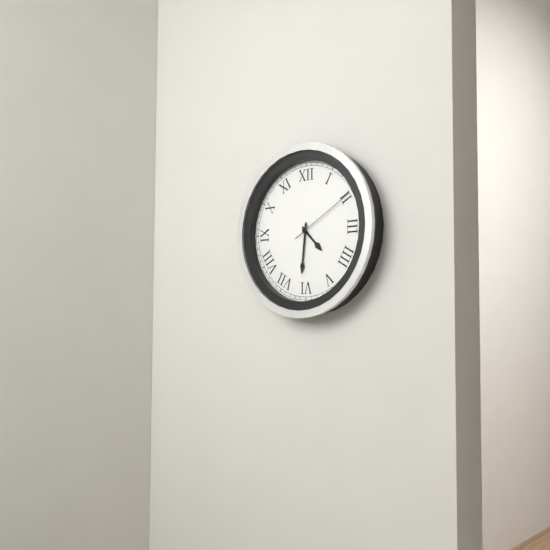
4:31:10
